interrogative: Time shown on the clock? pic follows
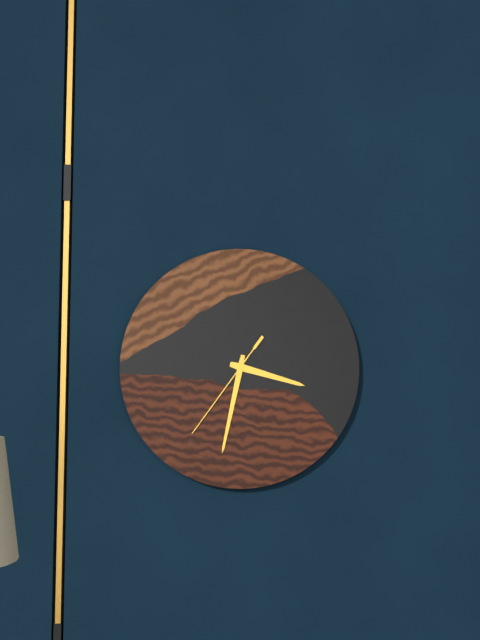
3:32:36
